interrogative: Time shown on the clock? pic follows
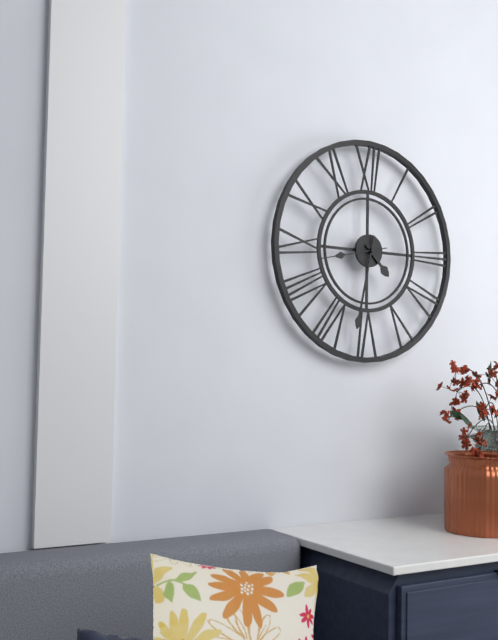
4:32:43
